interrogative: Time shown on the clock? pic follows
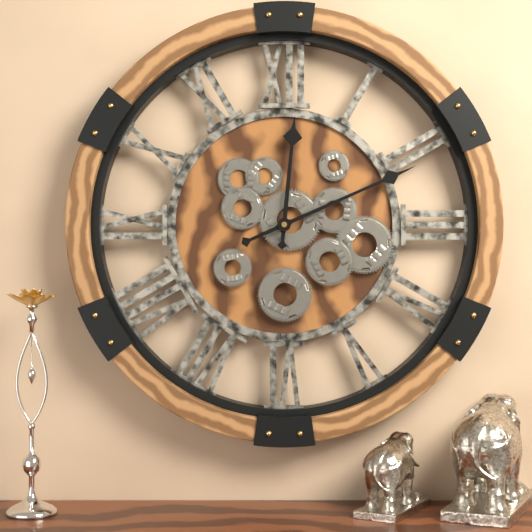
12:11
